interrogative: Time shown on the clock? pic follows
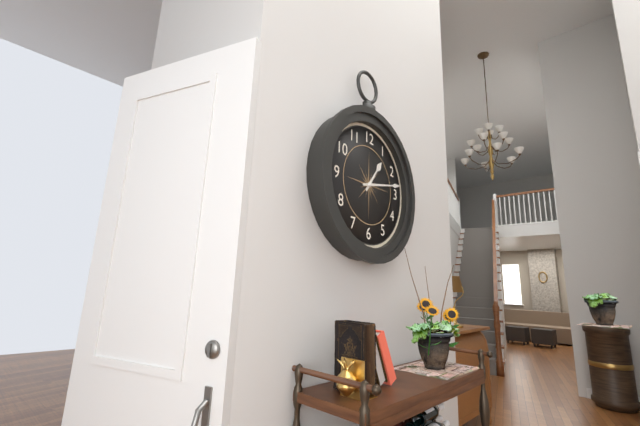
1:13
